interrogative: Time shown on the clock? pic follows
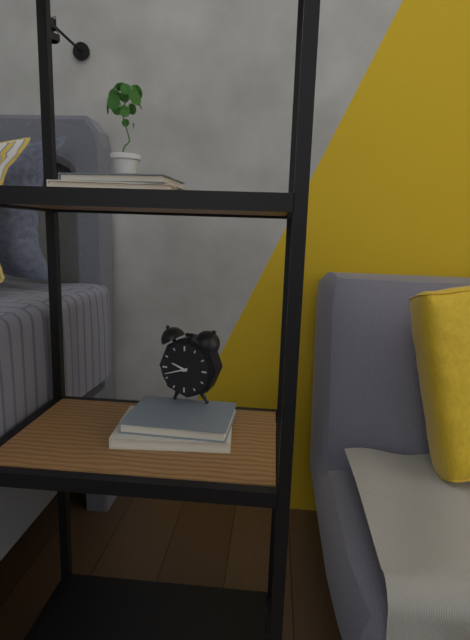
9:42
